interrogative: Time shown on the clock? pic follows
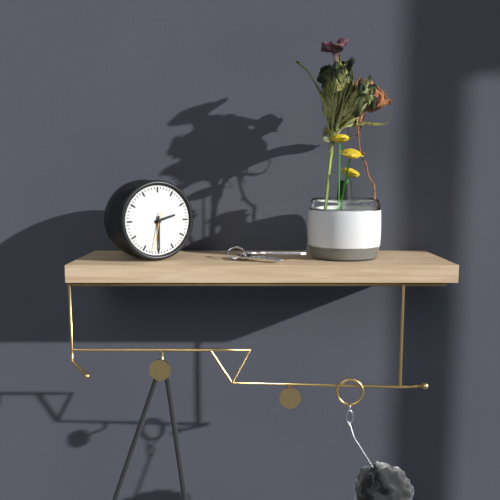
2:30
